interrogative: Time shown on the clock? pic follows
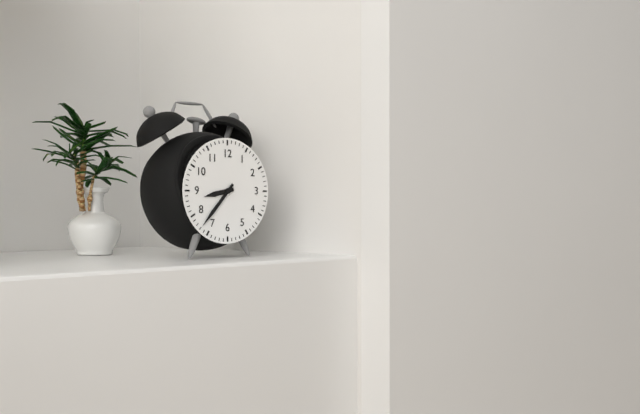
8:37
